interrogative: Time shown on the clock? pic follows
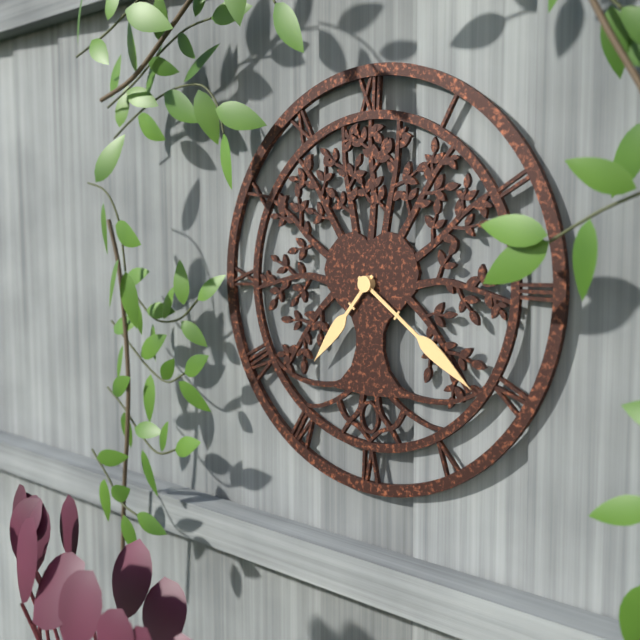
7:21
